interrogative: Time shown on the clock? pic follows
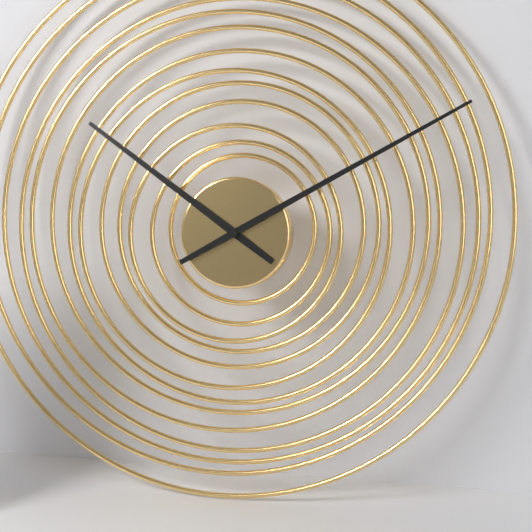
10:10
